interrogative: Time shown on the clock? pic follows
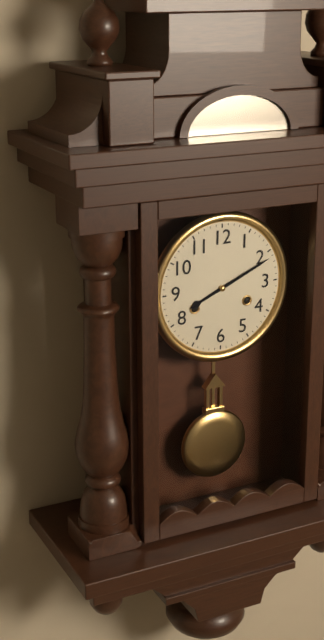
8:11
